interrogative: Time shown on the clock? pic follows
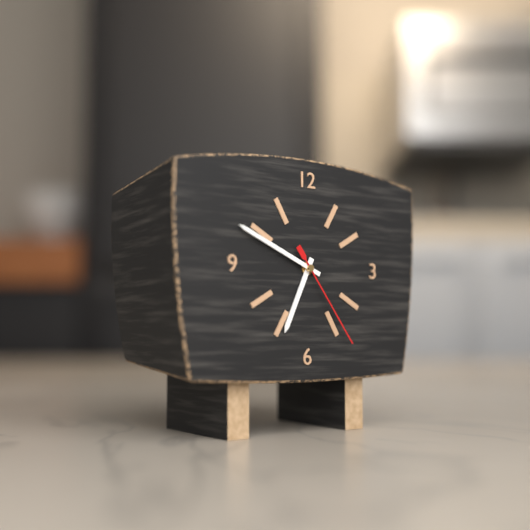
6:49:24
